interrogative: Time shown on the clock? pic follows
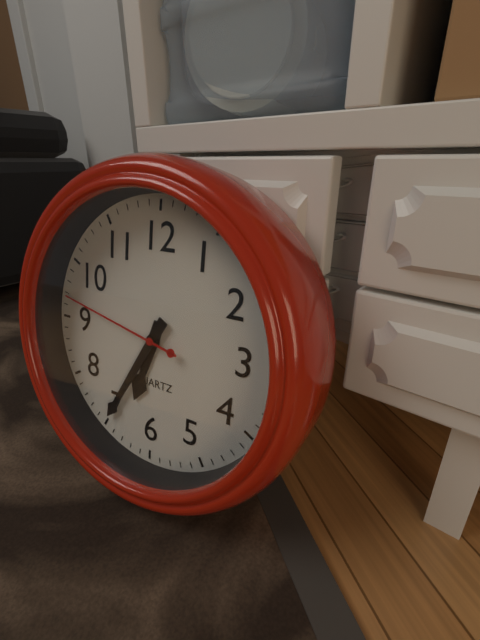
6:35:47
